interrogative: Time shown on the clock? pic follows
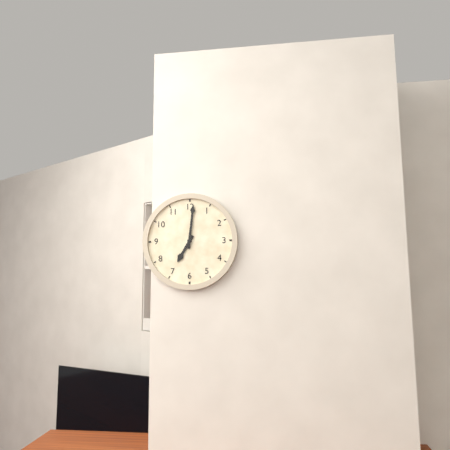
7:01
